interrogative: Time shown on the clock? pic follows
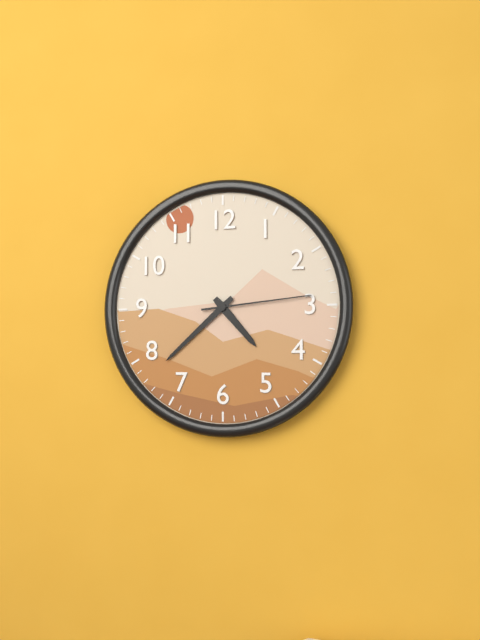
4:38:14
